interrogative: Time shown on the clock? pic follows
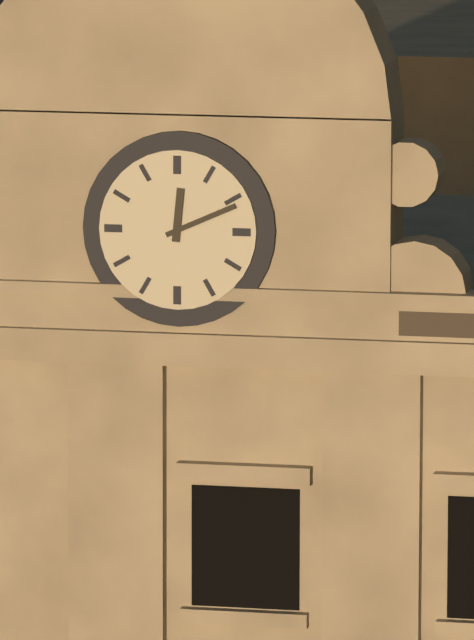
12:11
